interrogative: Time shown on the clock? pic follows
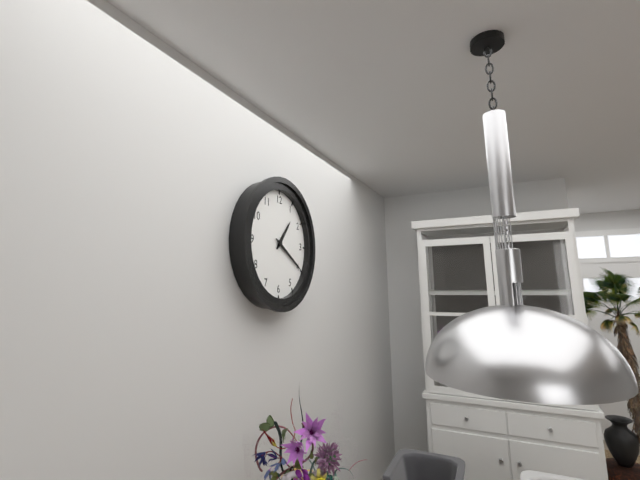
1:20
